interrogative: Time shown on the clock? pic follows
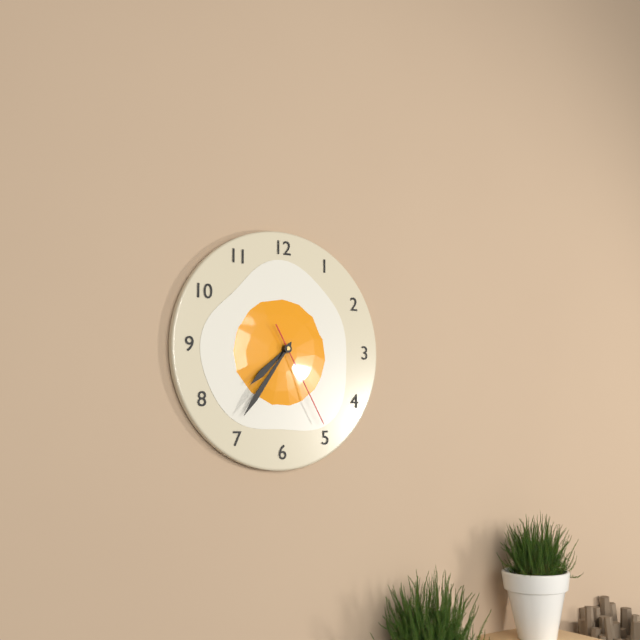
7:36:25
